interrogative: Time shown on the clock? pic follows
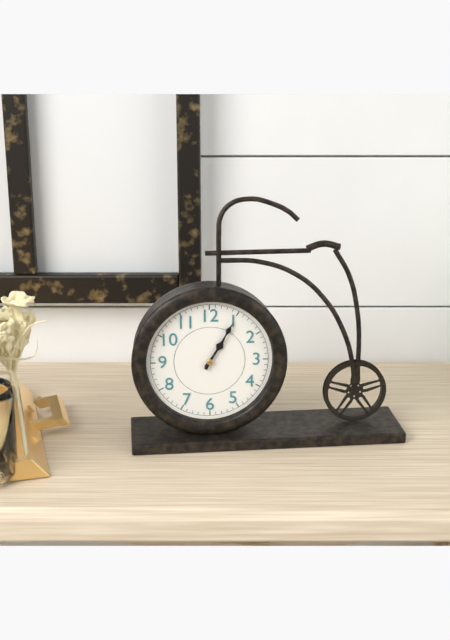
1:05
